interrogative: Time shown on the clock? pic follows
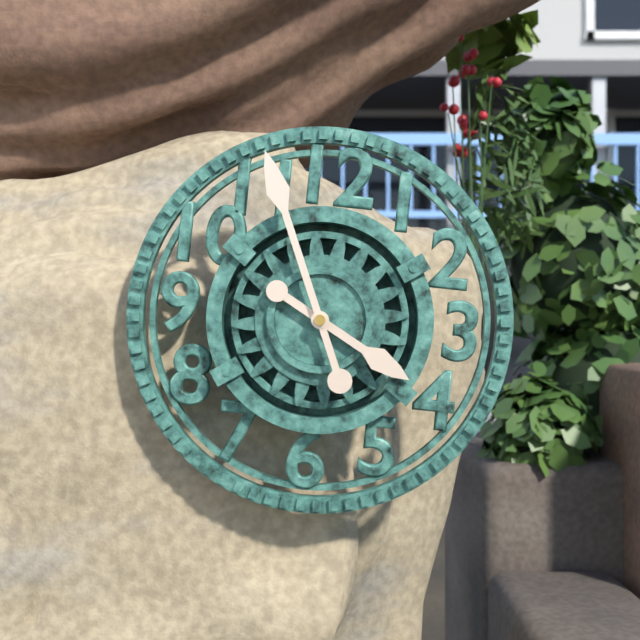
3:56
